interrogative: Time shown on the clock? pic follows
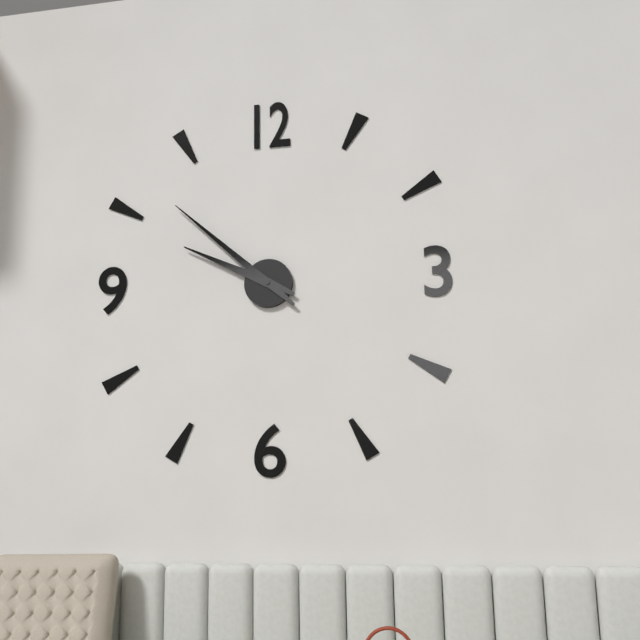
9:52
